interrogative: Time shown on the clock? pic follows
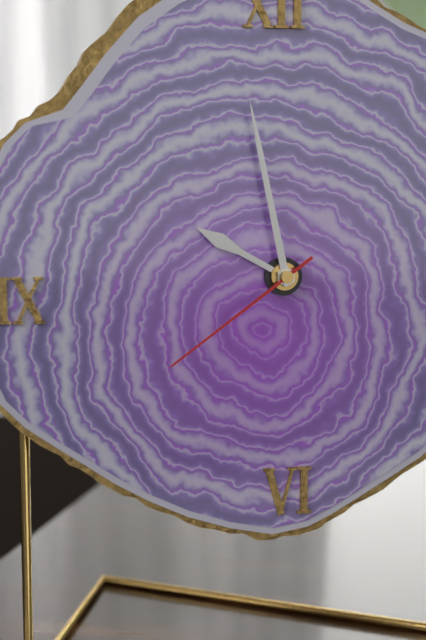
9:58:39
